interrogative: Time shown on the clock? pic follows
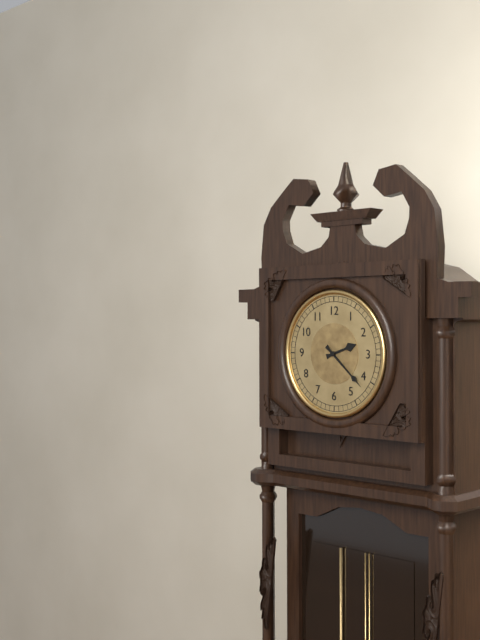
2:22
